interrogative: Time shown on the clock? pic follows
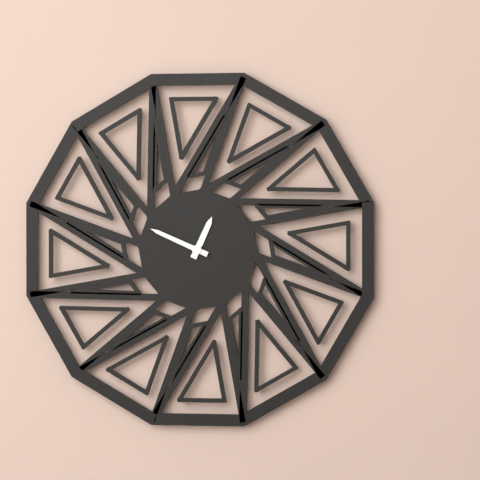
12:49
